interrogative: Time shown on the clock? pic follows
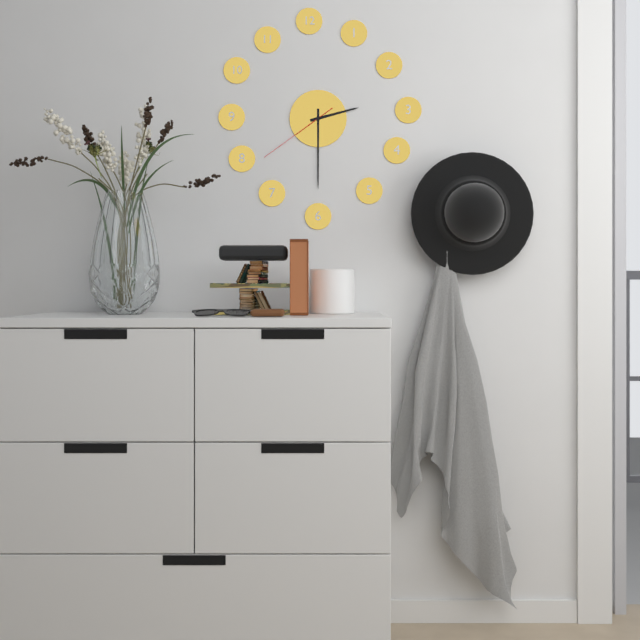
2:30:39
